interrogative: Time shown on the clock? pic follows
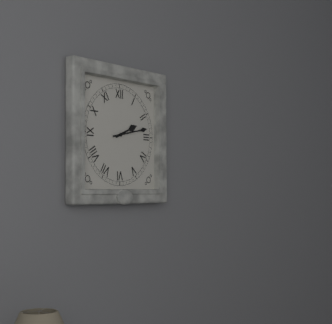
2:13
